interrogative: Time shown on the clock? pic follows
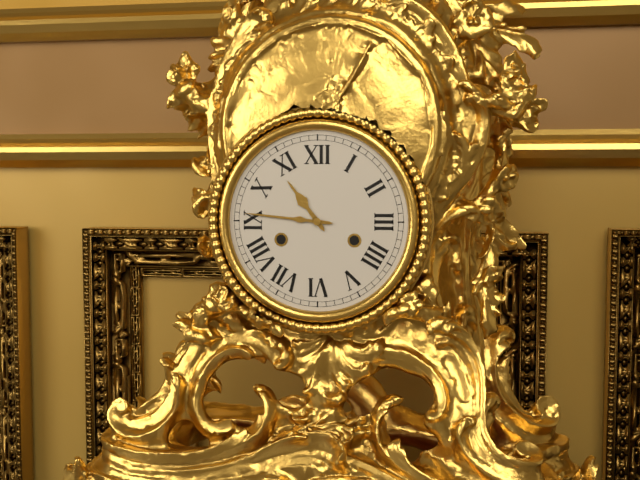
10:46
